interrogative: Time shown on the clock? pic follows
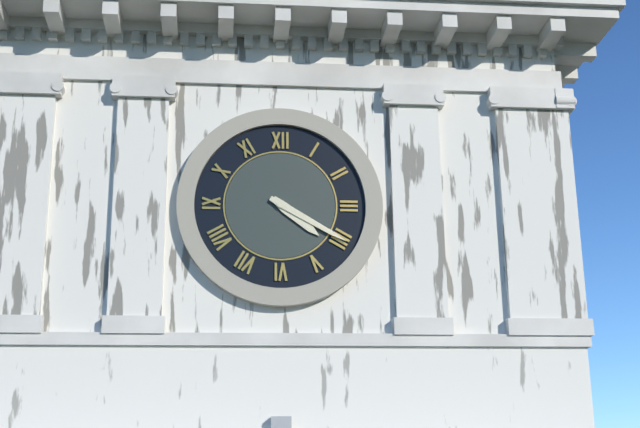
4:20
